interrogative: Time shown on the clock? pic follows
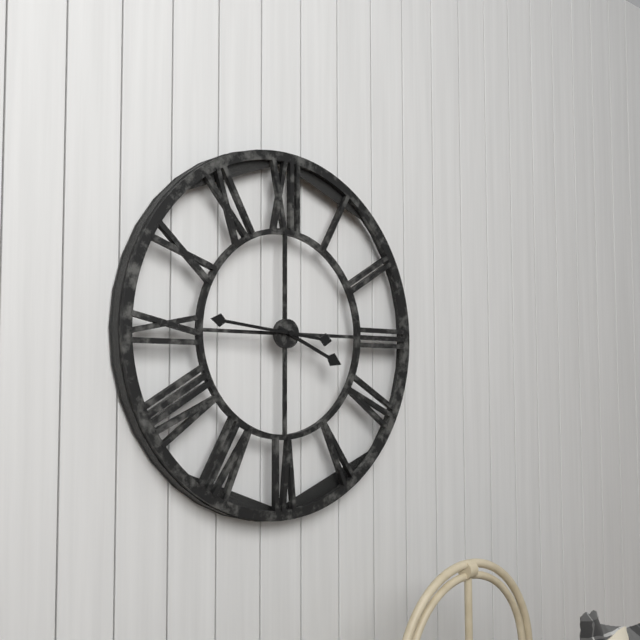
3:46
